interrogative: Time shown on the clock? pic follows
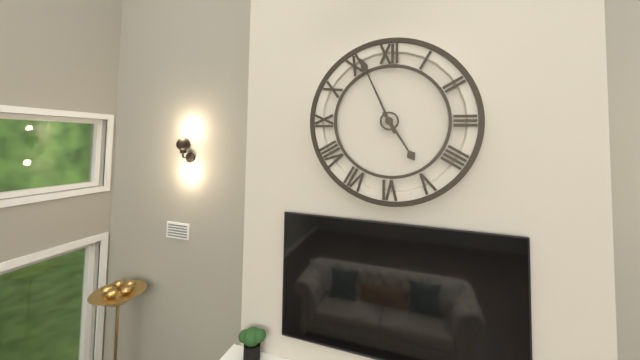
4:56
